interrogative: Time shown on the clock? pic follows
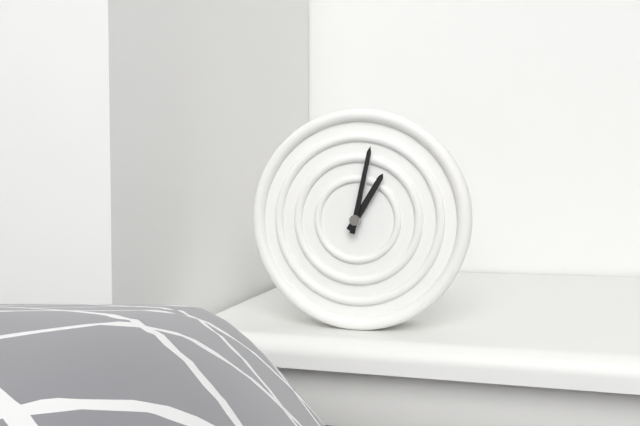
1:02
